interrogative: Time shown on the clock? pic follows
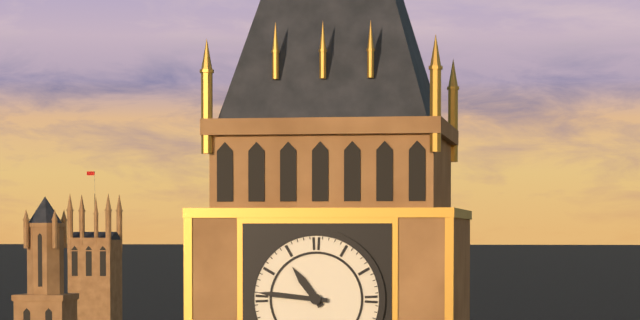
10:46
